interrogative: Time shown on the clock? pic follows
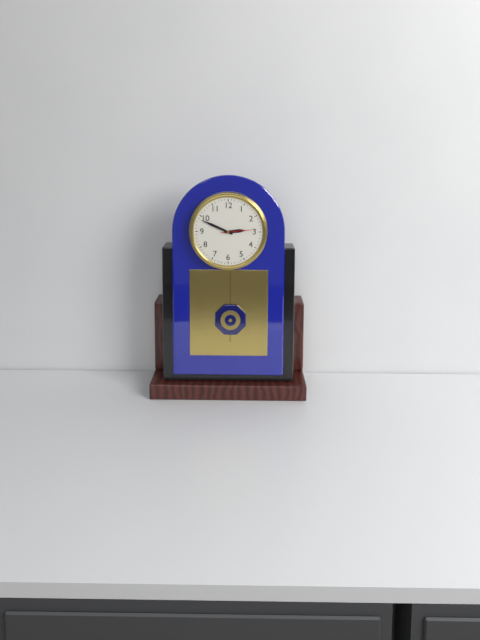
2:49
